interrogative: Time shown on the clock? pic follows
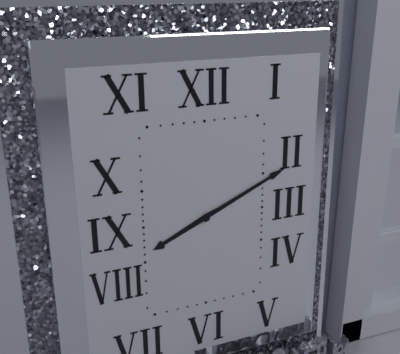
8:11
